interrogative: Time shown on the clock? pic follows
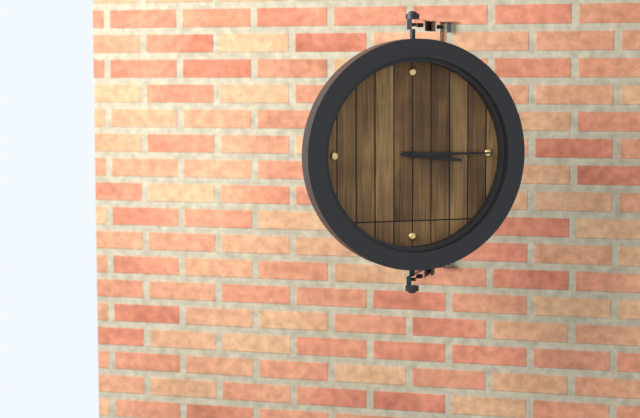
3:15
